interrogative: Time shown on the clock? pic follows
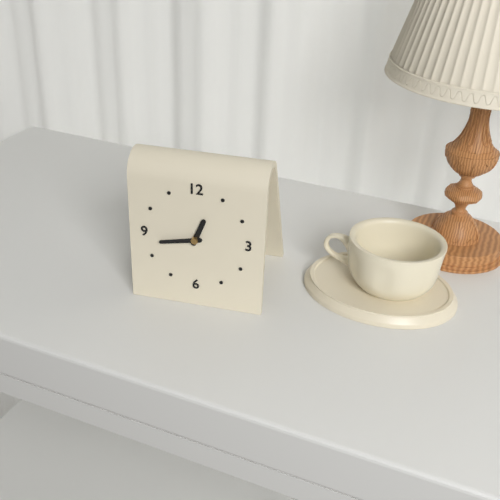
12:43
